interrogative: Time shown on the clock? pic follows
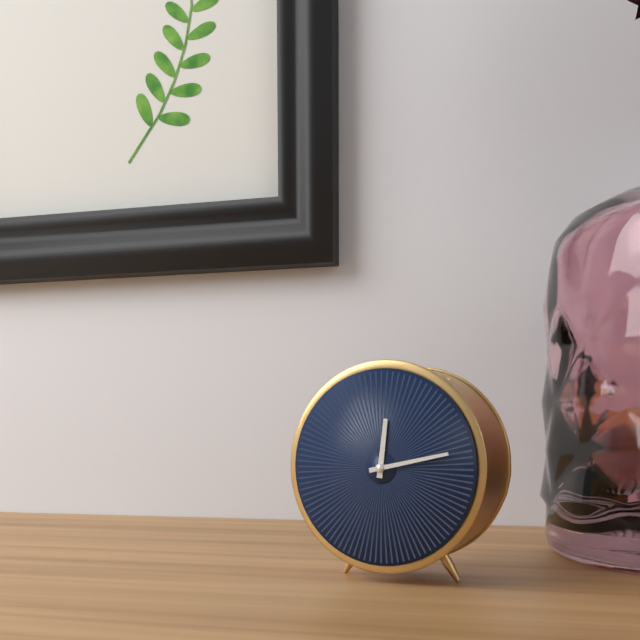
12:13
